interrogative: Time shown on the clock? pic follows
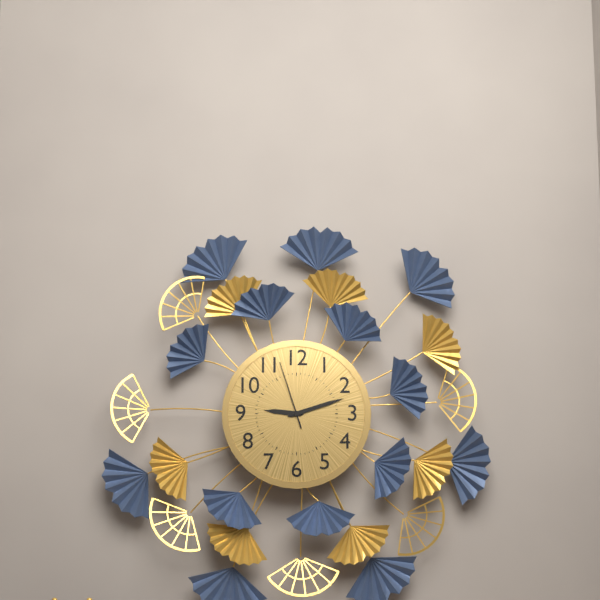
9:12:57
